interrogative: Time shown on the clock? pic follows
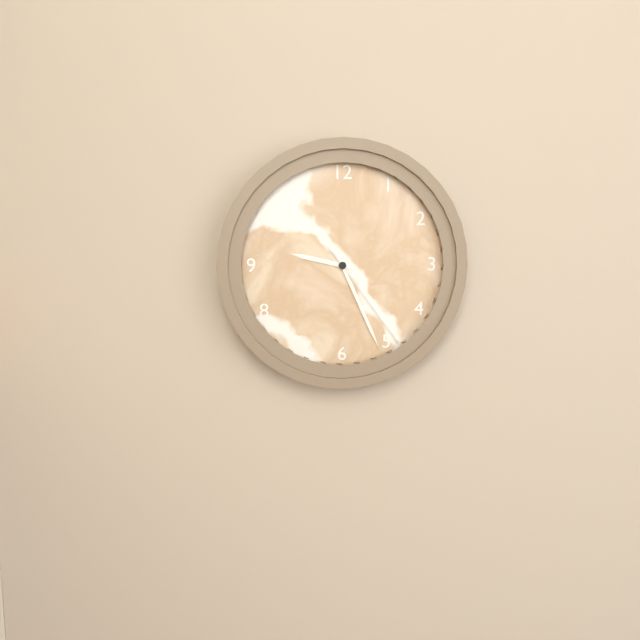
9:26:24
